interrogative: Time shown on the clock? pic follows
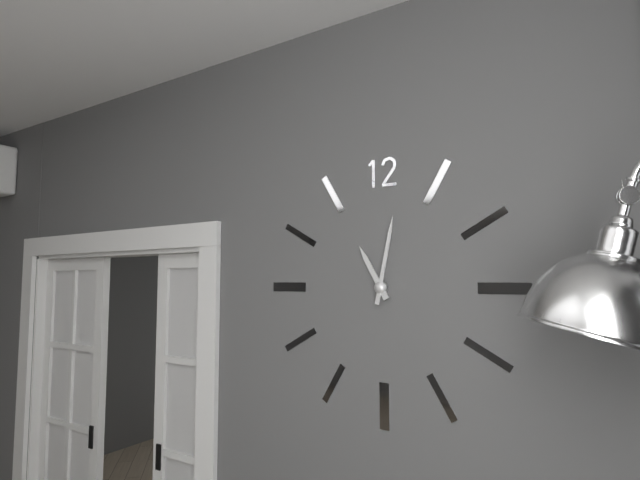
11:02
